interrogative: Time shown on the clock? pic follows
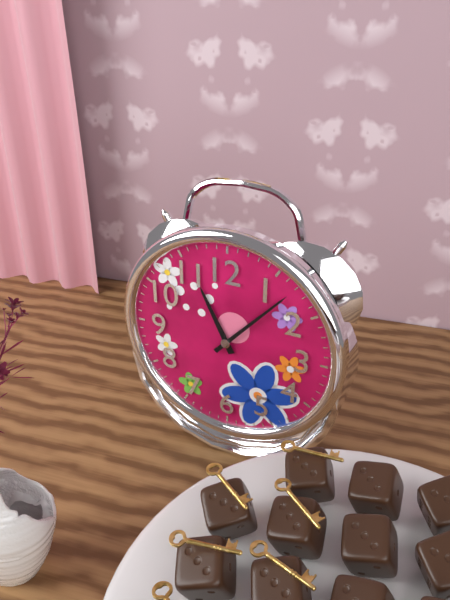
11:07
